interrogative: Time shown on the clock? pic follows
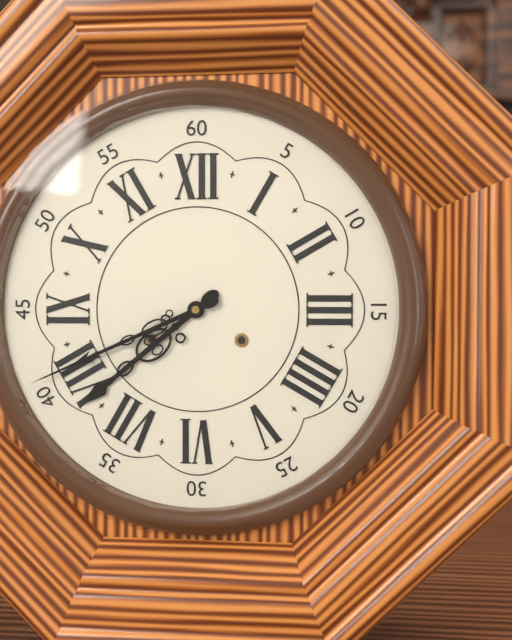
7:41
